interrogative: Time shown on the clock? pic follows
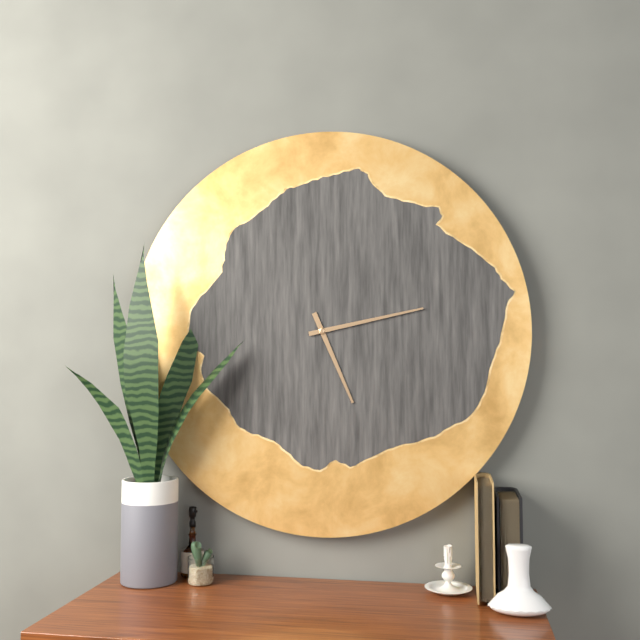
5:13
